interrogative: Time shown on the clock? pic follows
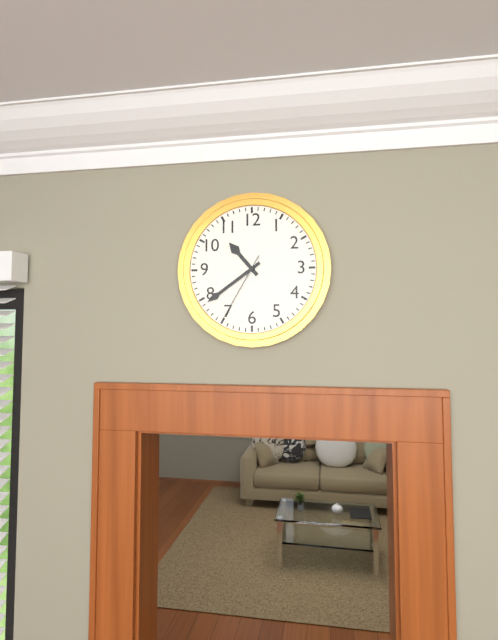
10:39:35
